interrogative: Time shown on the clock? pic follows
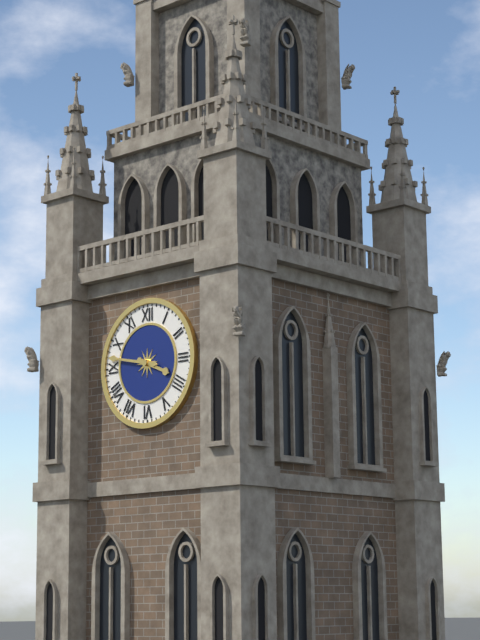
3:47
